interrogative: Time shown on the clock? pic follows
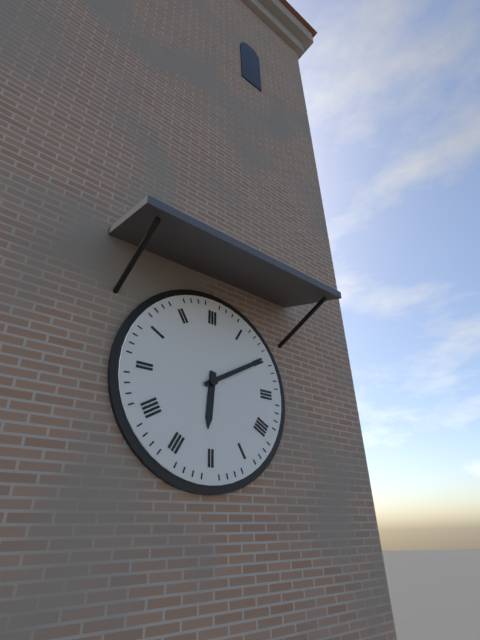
6:10
